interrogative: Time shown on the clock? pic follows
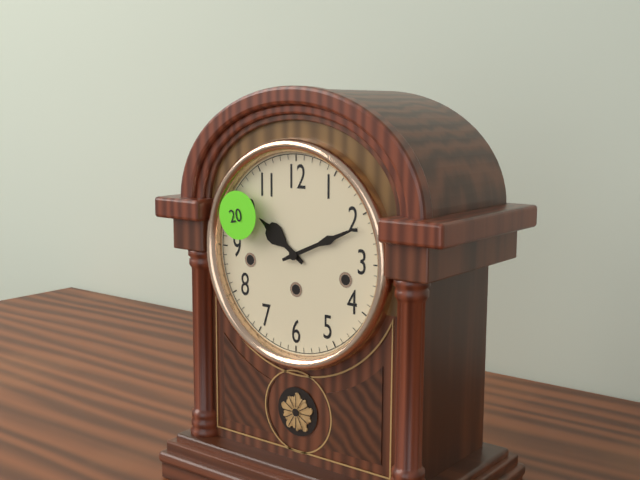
10:11
